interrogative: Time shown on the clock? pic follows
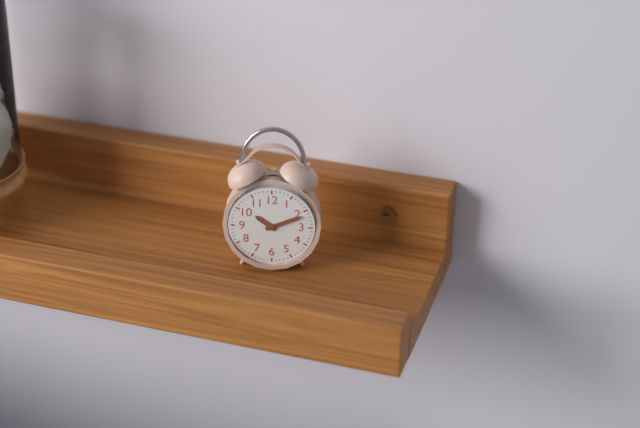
10:11
